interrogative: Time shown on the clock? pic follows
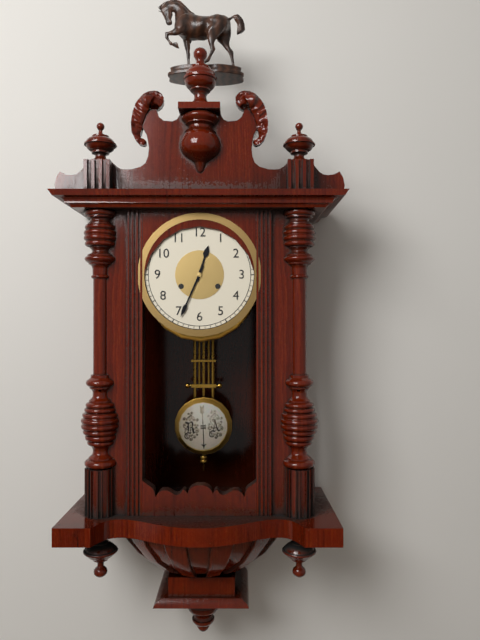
12:34
